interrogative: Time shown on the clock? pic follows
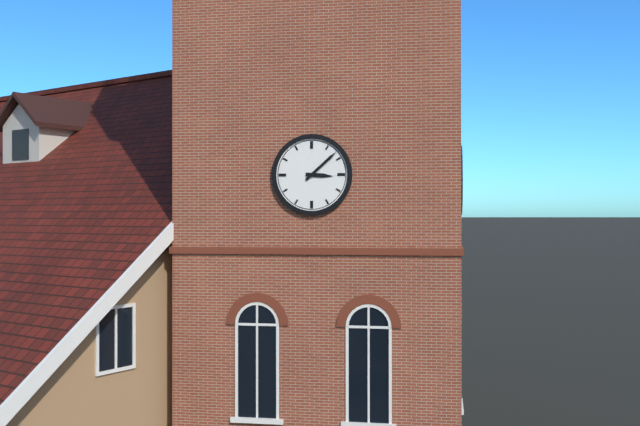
3:08
